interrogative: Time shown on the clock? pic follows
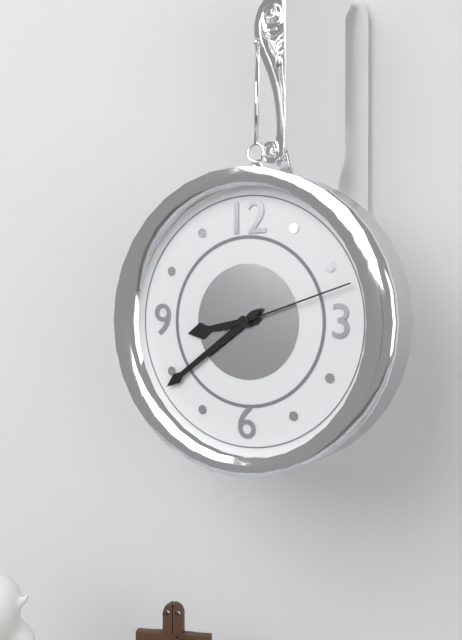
8:39:12
